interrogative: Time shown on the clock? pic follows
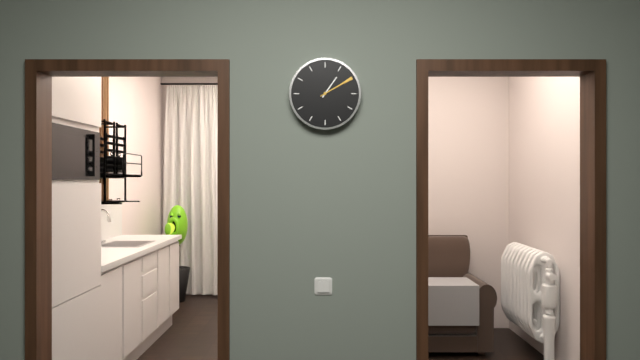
1:10
